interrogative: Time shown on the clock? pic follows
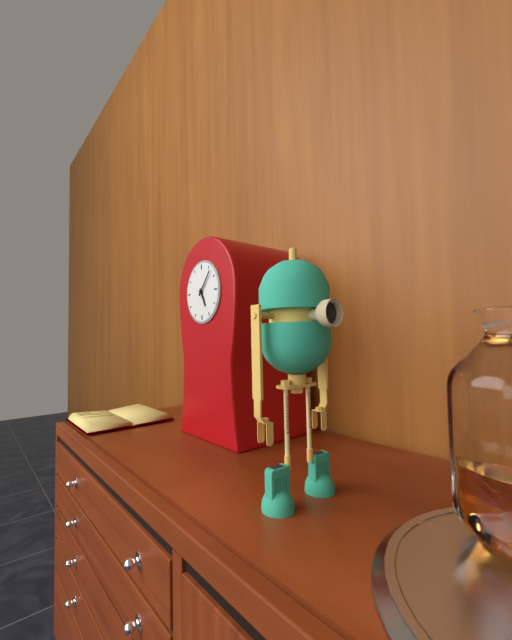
5:07
